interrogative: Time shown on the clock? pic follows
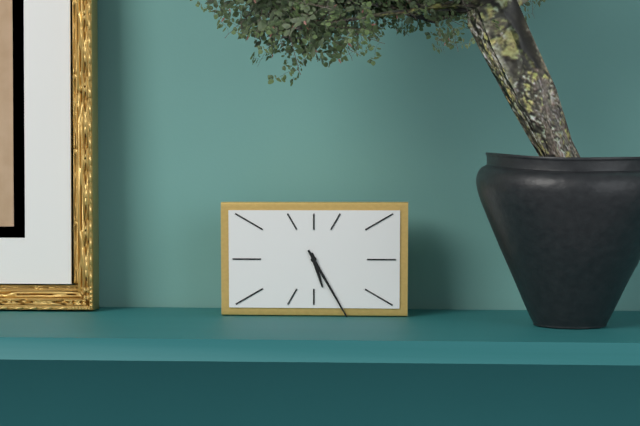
5:25
